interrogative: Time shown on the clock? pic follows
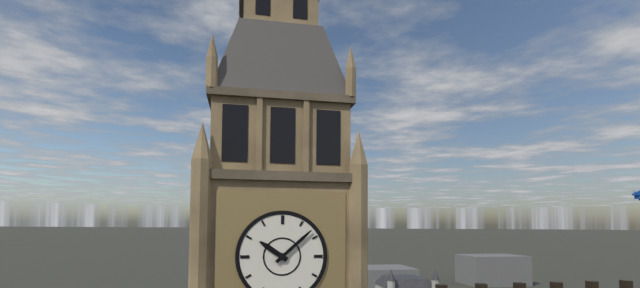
10:08
